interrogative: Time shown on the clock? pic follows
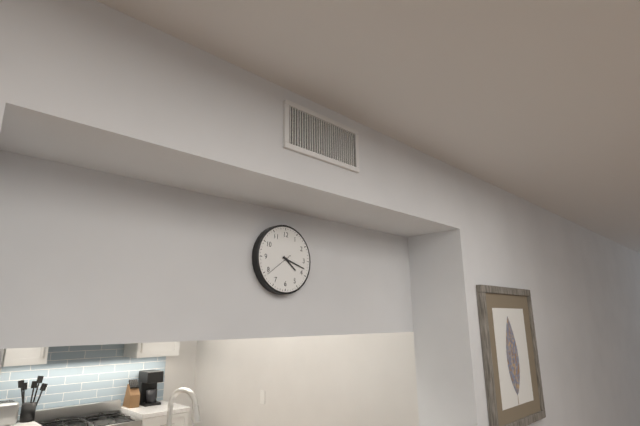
4:18
